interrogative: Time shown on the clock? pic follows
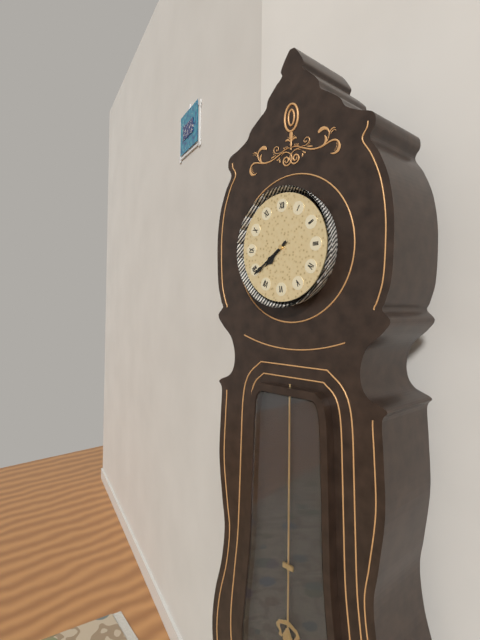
7:39
